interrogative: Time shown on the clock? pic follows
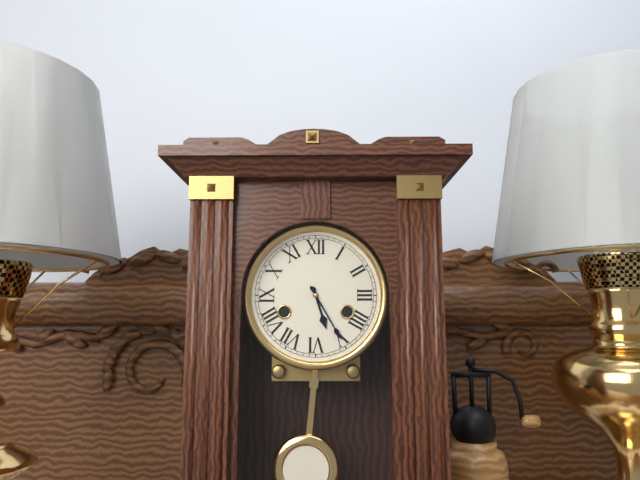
5:25
